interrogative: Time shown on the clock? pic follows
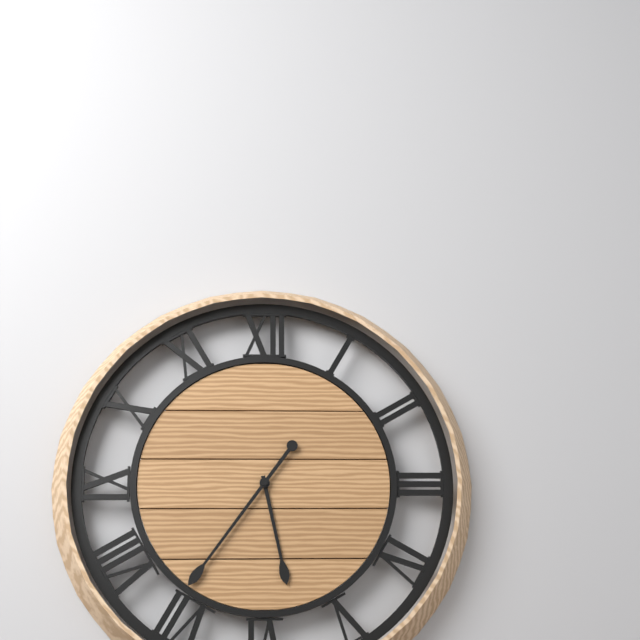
5:36
